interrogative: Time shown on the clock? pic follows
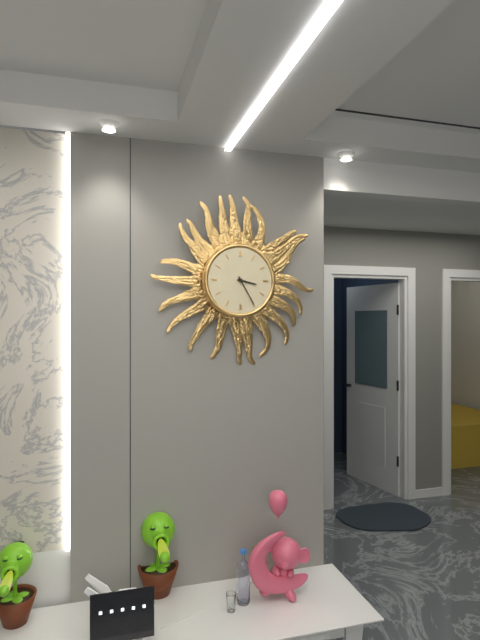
3:25
